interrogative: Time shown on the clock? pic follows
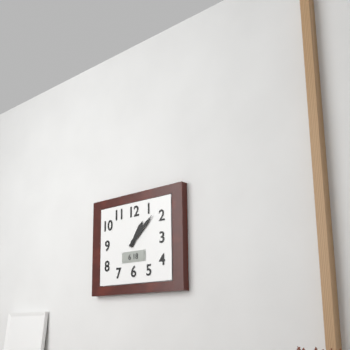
1:08
